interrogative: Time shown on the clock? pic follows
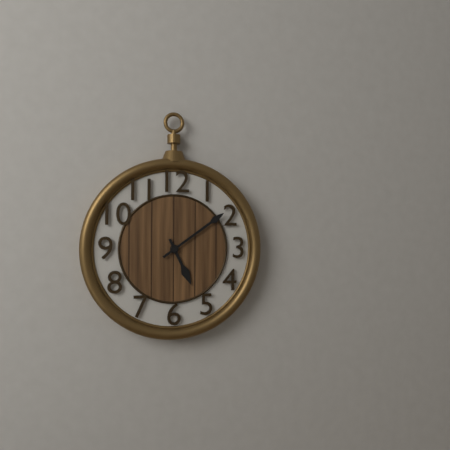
5:09
